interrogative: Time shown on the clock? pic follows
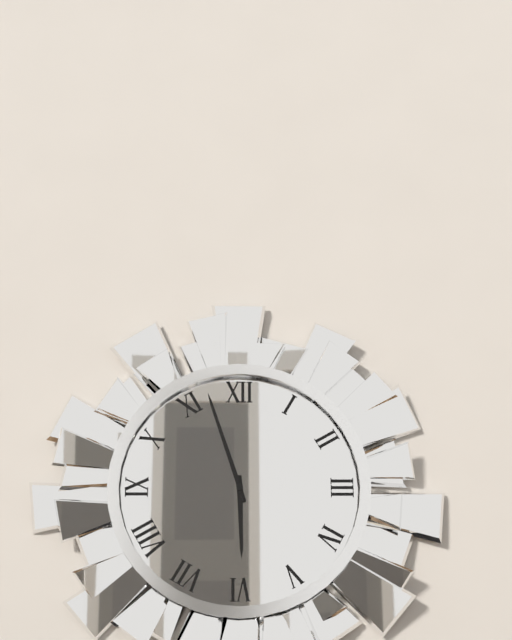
5:57
